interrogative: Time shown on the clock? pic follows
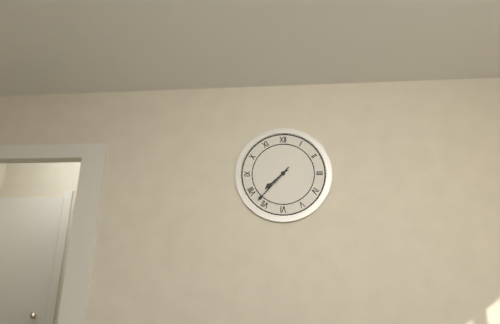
7:37
